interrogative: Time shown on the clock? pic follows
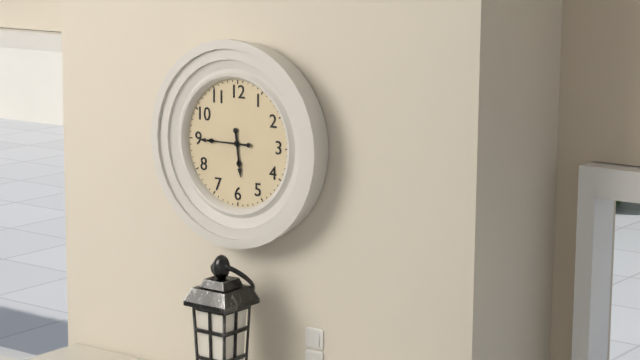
5:45
